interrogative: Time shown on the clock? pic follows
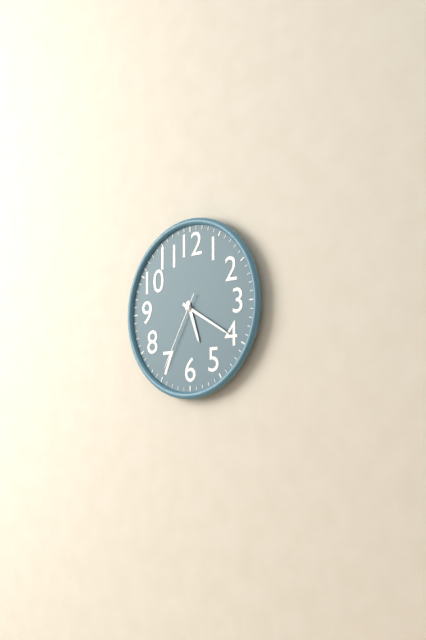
5:20:35
